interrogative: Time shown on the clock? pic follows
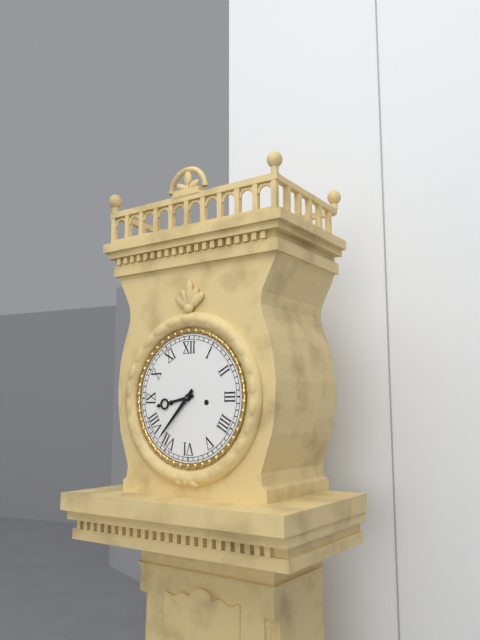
8:37
